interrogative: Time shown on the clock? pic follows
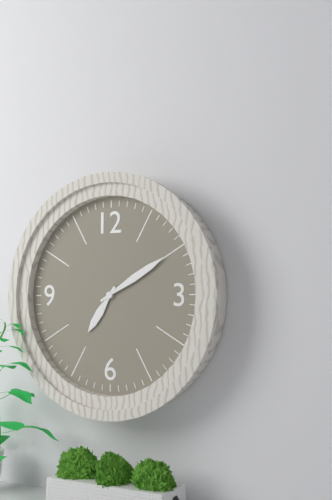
7:10
